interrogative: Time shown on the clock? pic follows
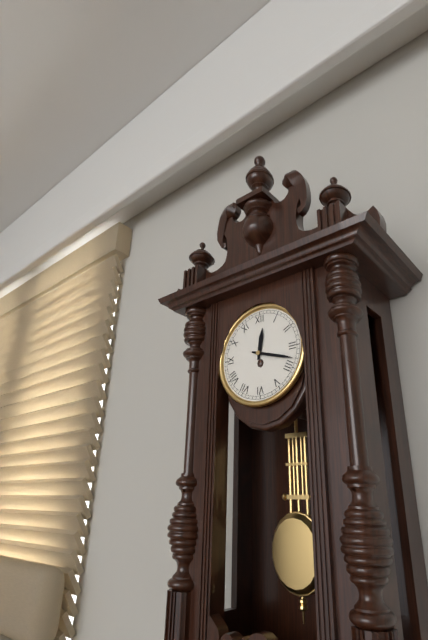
12:18
